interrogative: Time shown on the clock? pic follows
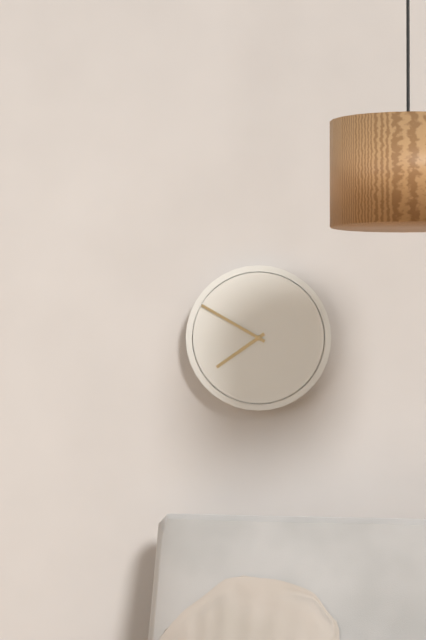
7:50
